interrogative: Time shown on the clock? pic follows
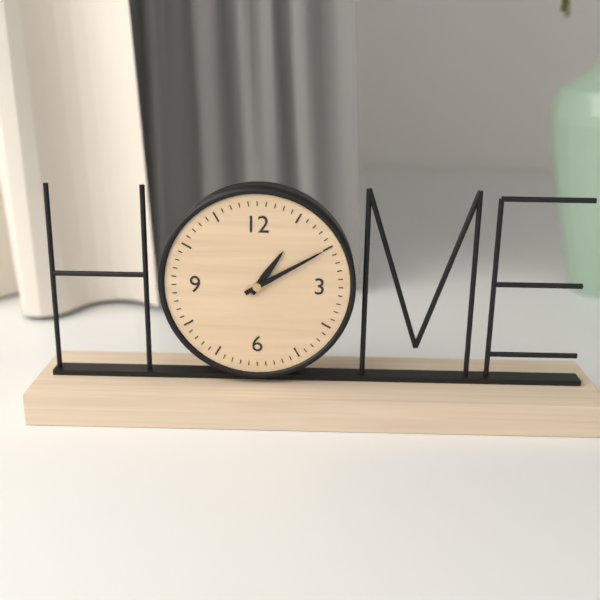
1:10
